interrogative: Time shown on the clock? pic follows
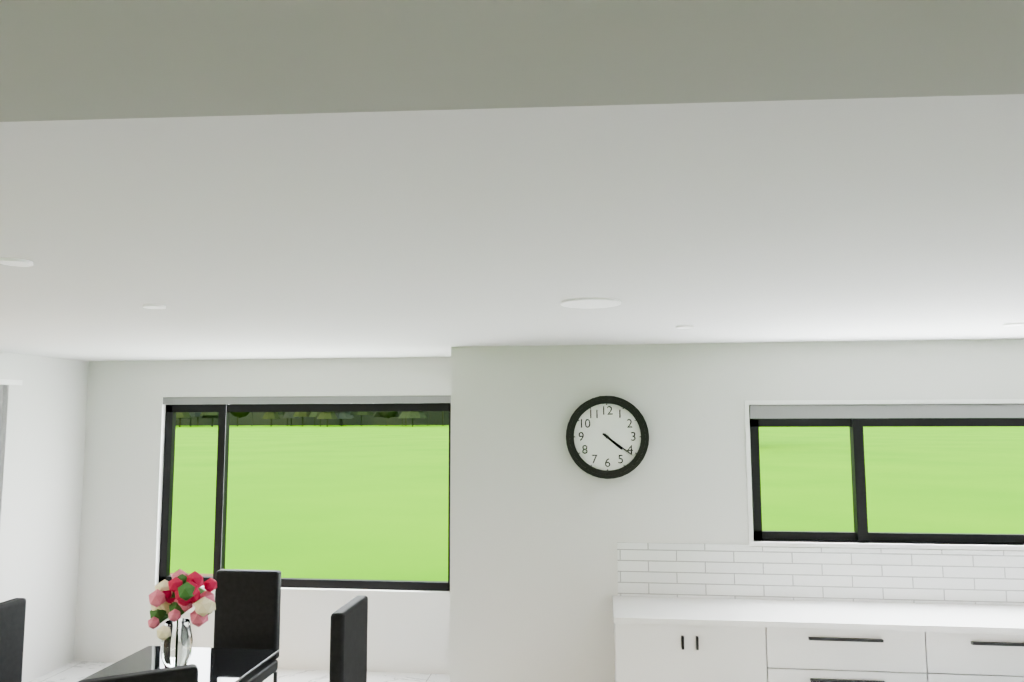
4:21
